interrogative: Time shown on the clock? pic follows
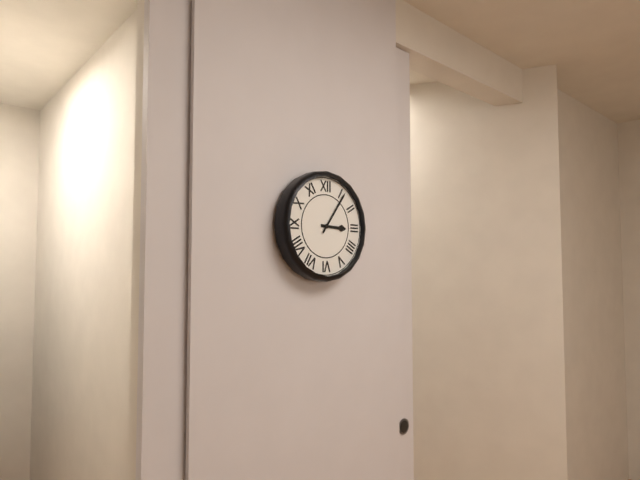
3:06
